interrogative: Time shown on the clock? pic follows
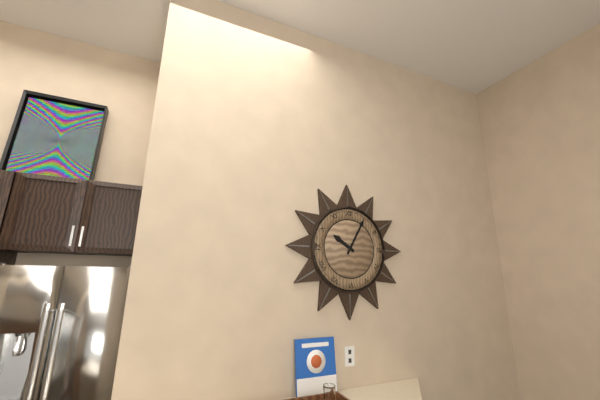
10:05
